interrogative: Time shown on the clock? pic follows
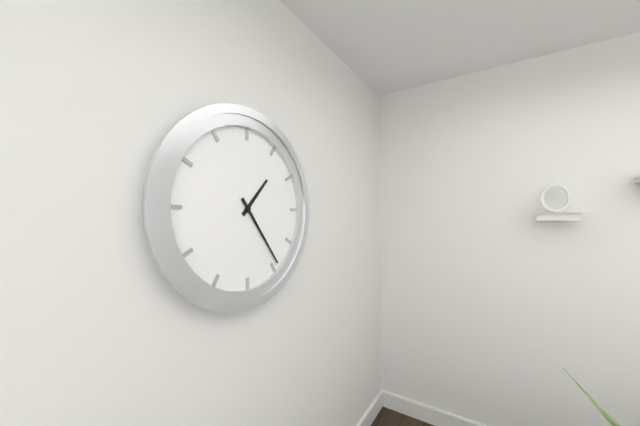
1:24
